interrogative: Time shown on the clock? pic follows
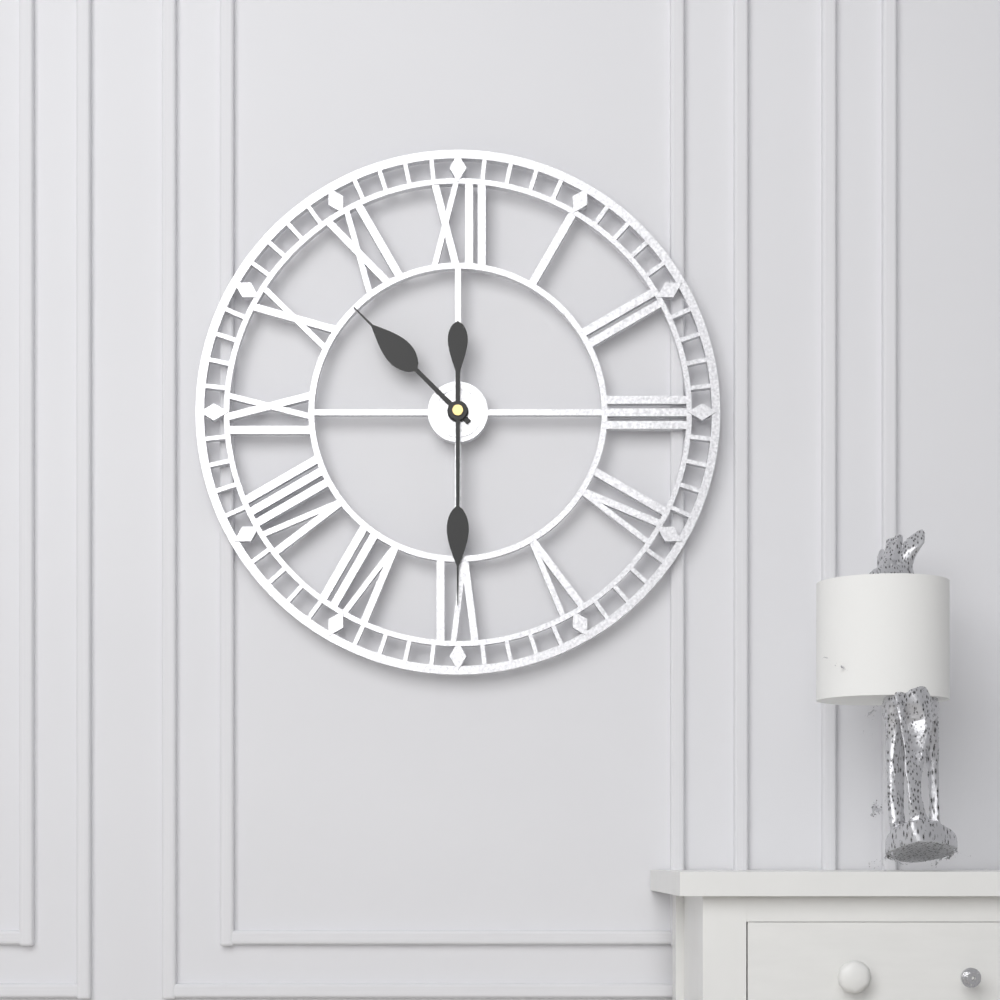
10:30
